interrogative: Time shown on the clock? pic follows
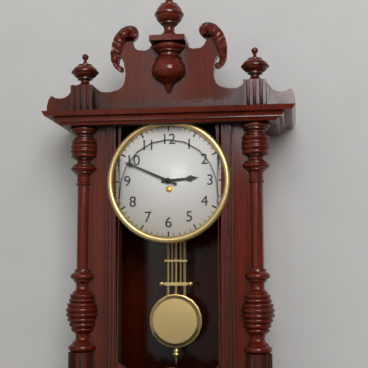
2:49
